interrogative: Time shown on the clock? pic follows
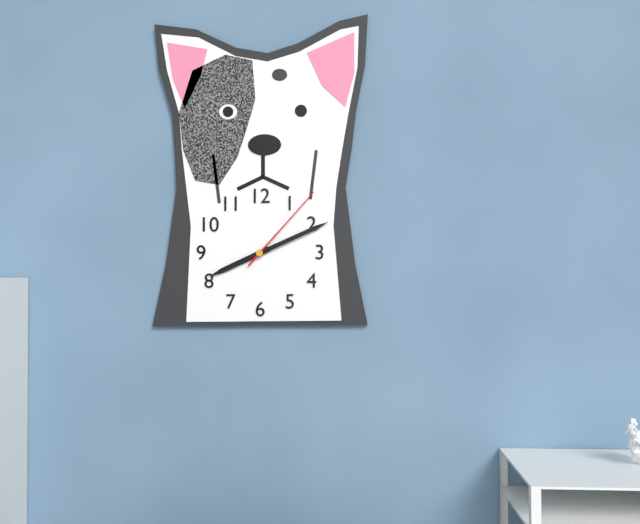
8:11:07
